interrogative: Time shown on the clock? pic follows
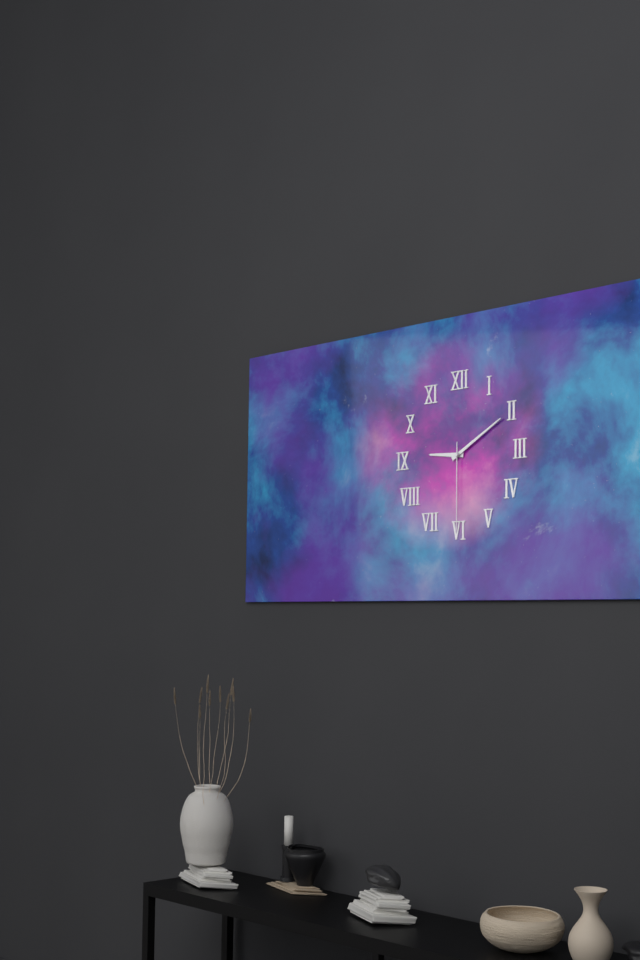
9:10:30
